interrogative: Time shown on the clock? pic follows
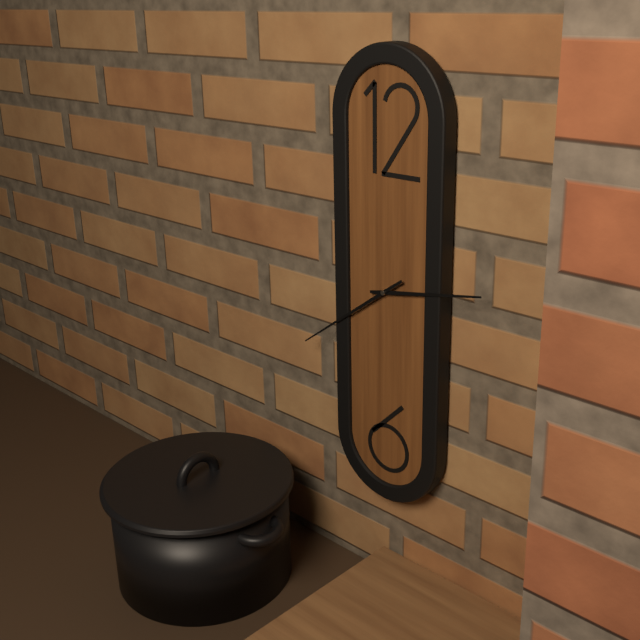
2:39
